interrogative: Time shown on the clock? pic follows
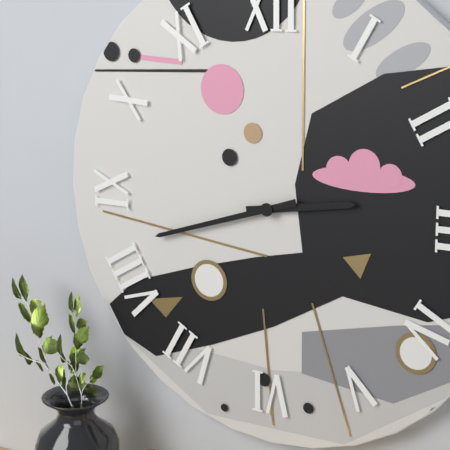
2:42
